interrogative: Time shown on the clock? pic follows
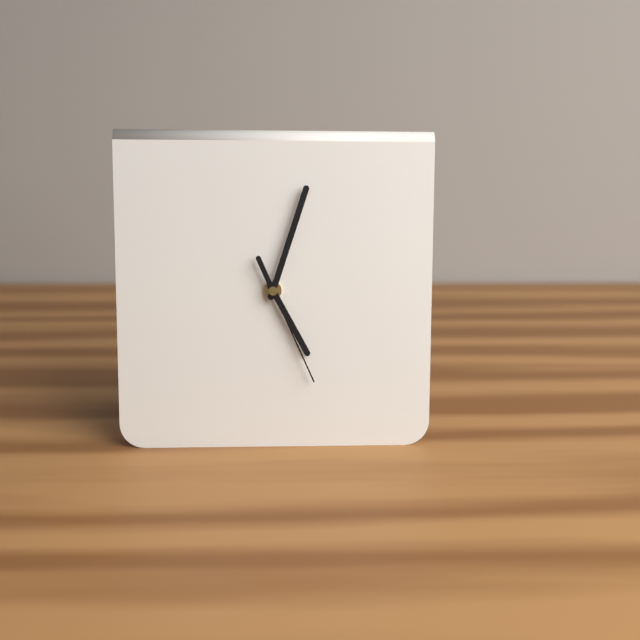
5:03:26
